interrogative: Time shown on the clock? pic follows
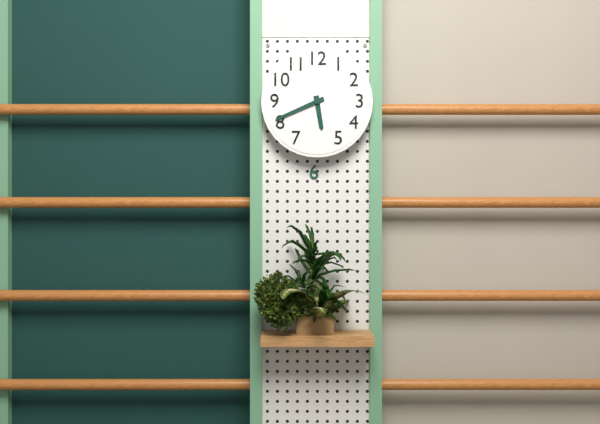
5:41
